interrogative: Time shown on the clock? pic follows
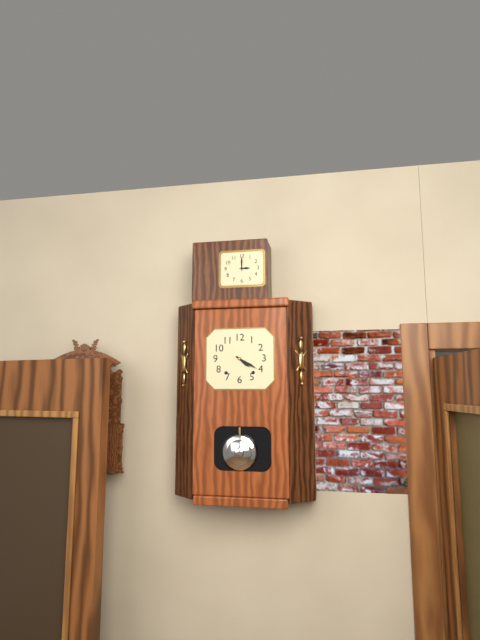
4:20
